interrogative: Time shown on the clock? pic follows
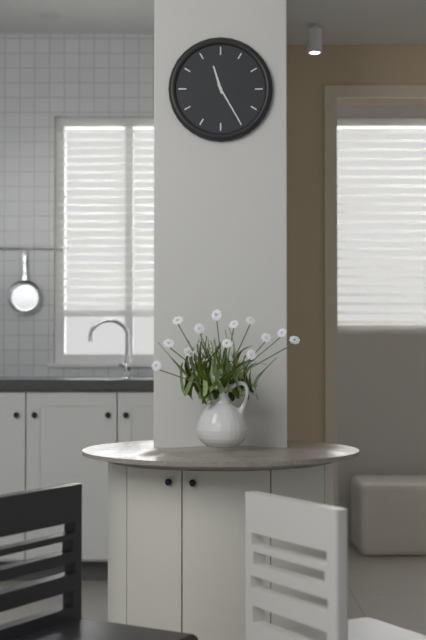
11:25
